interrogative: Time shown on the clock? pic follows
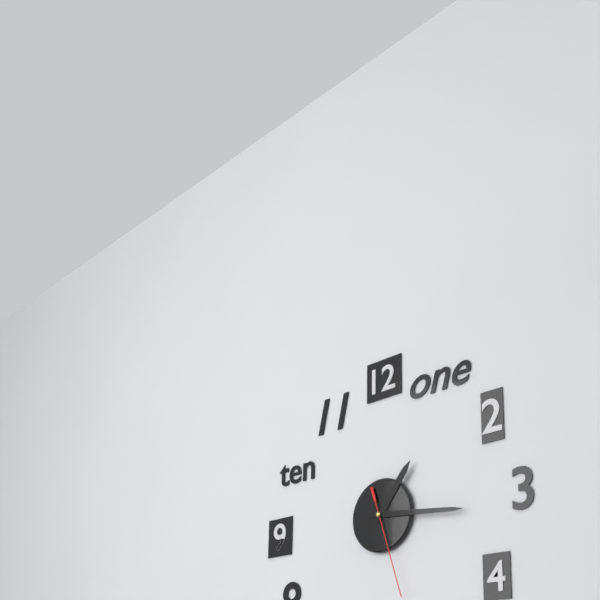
1:16:27
